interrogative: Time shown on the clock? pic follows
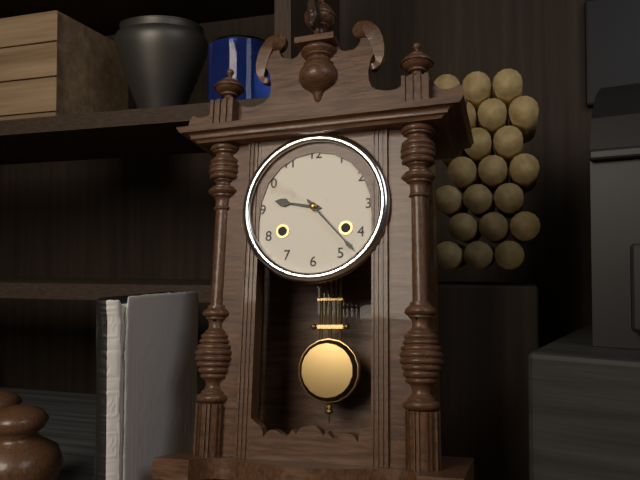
9:23
